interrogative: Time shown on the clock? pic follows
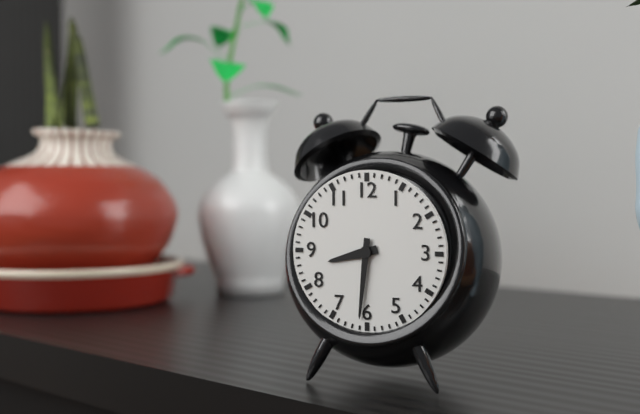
8:31
